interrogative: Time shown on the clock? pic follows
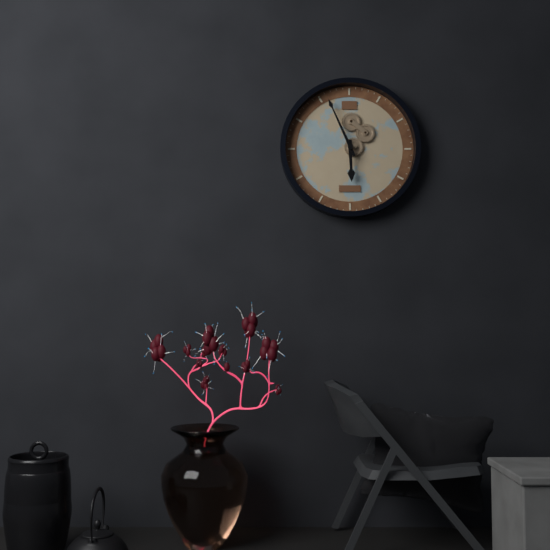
5:56
